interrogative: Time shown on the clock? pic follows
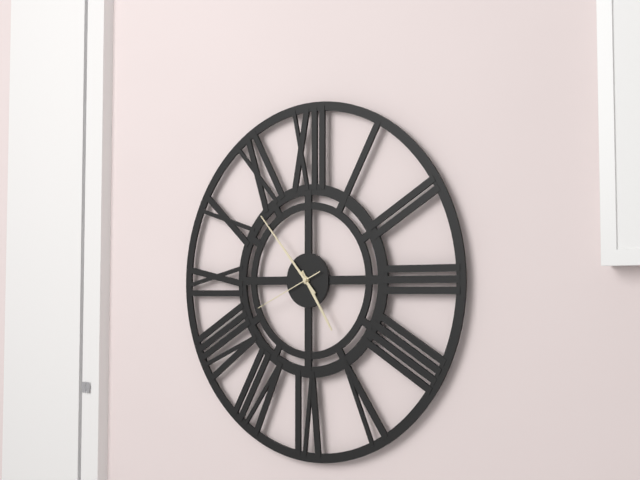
4:53:41
